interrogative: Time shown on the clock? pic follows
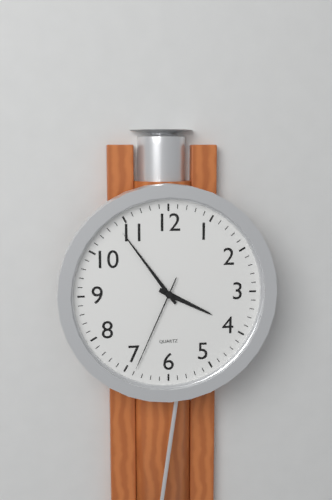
3:54:34
